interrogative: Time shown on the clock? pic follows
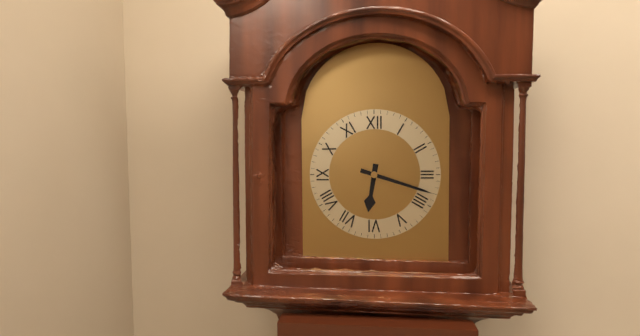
6:18
